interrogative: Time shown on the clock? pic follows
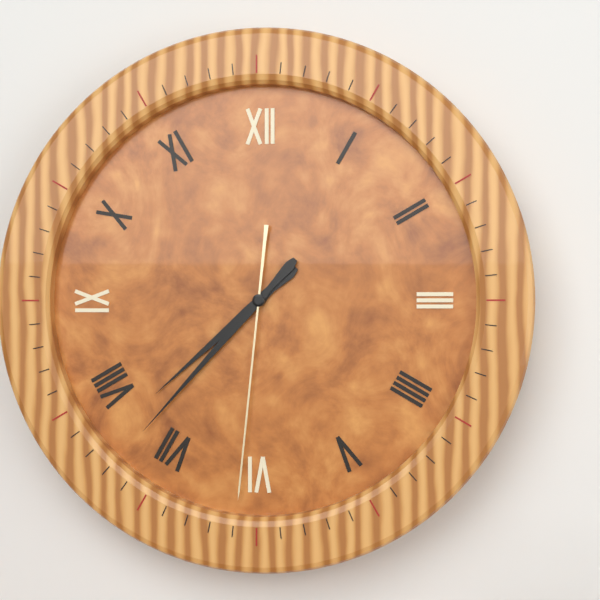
7:37:31
